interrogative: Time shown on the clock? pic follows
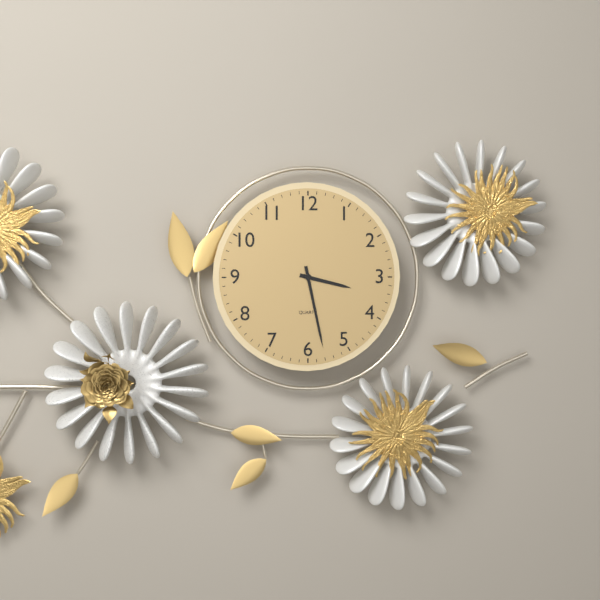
3:28
